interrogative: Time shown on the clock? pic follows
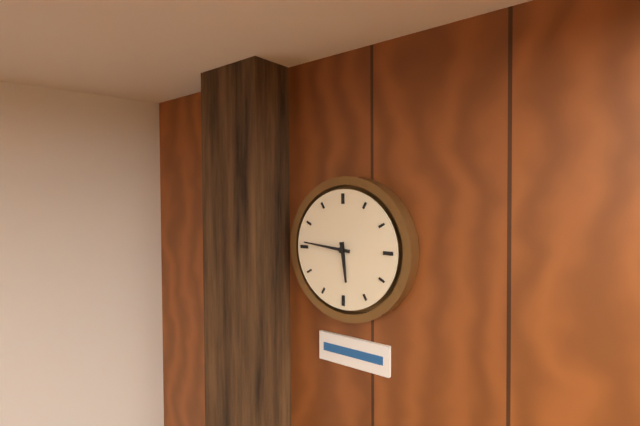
5:46
